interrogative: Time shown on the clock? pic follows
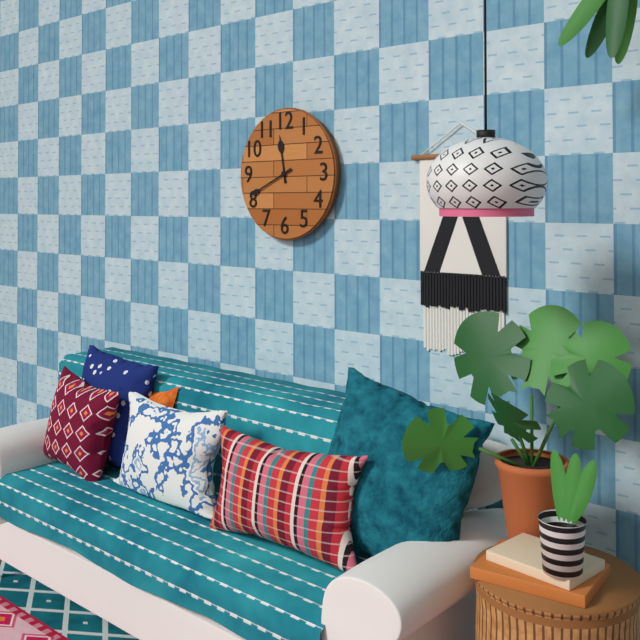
11:41
